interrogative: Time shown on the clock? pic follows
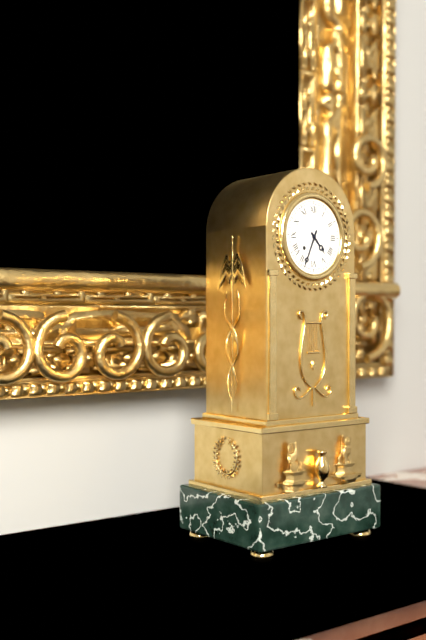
4:34
